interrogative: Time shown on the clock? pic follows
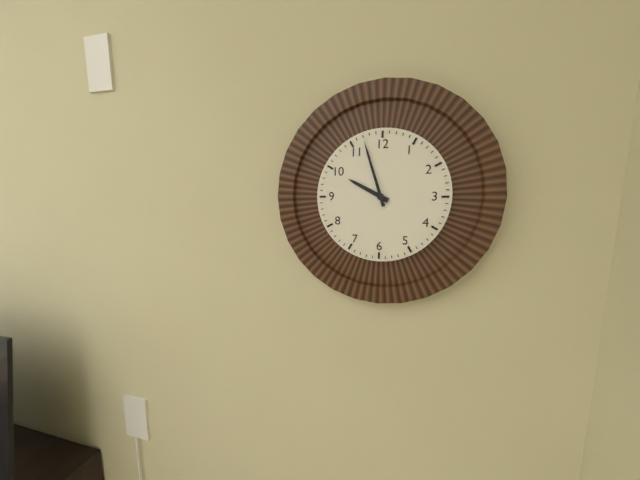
9:57
